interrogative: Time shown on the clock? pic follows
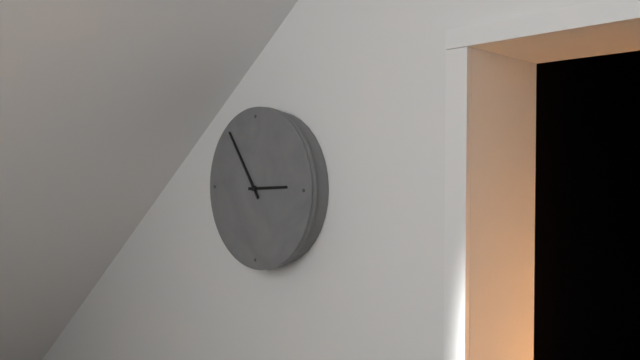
2:54
